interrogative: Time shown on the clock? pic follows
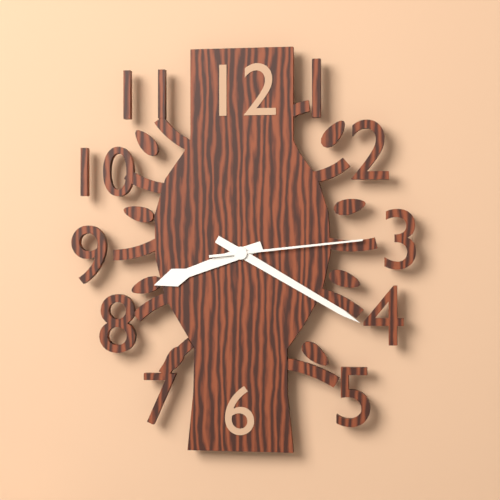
8:20:14
